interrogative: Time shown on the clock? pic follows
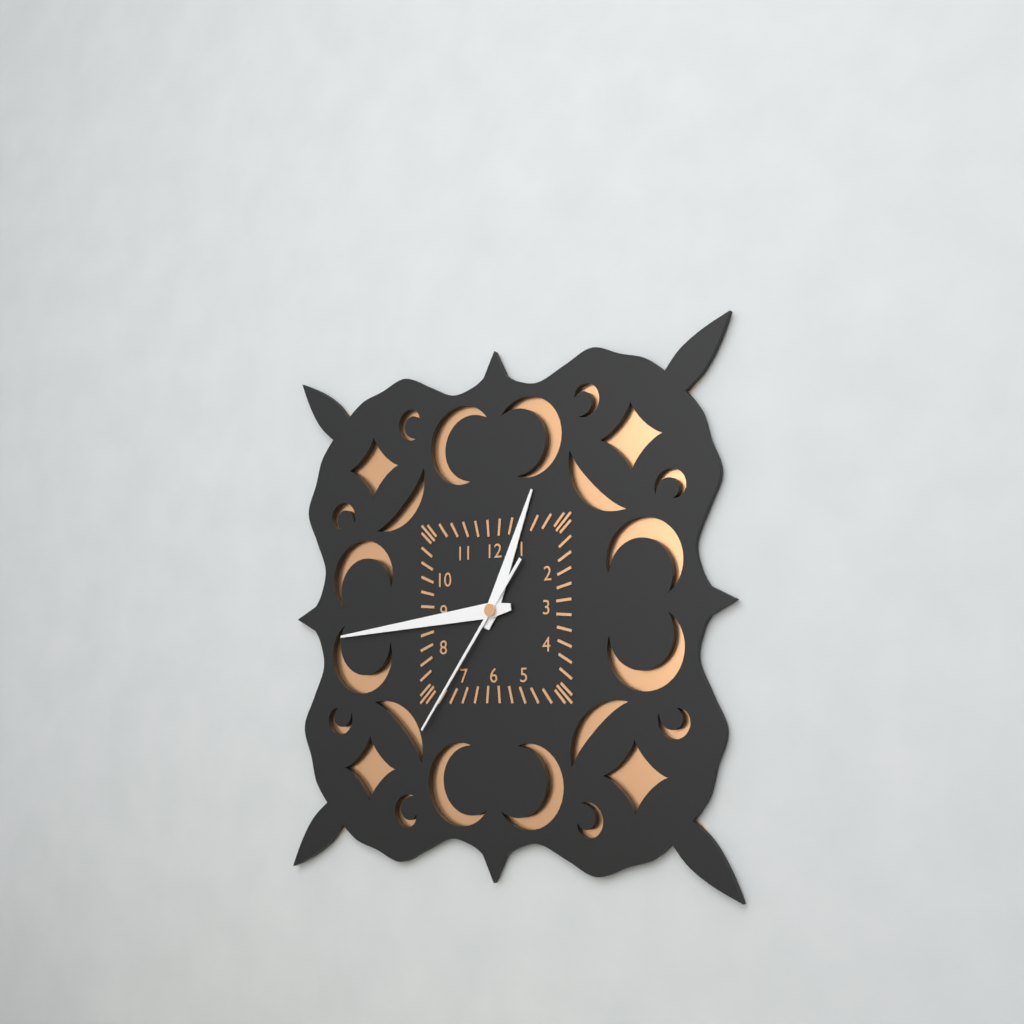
12:44:36
